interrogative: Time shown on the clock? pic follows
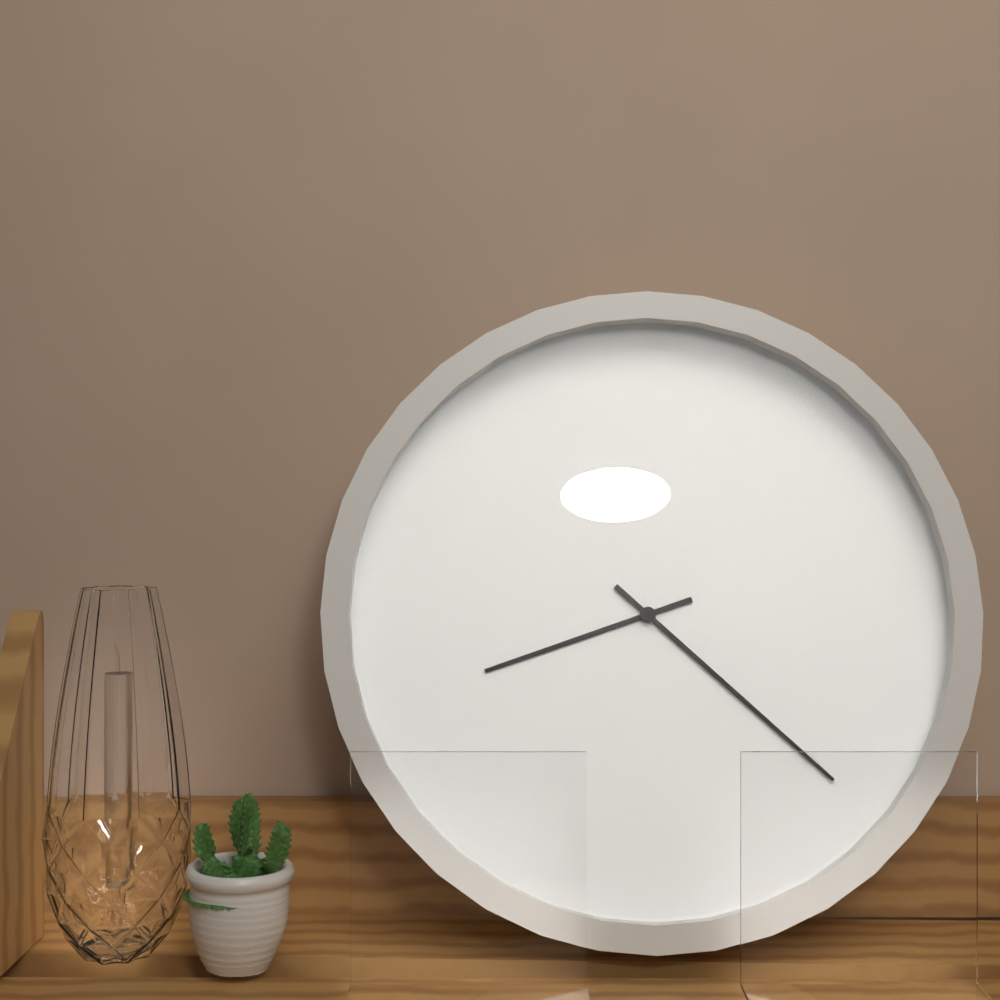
8:22
